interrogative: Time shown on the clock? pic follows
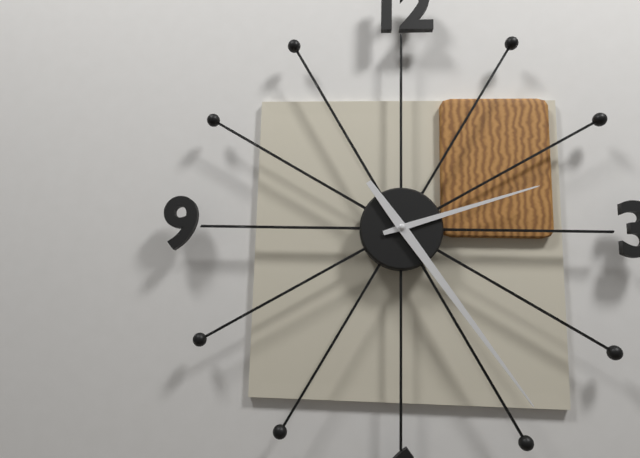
2:24
